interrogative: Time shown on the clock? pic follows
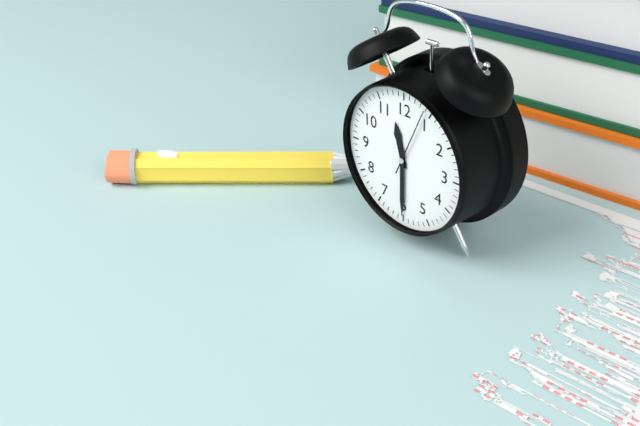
11:30:04
